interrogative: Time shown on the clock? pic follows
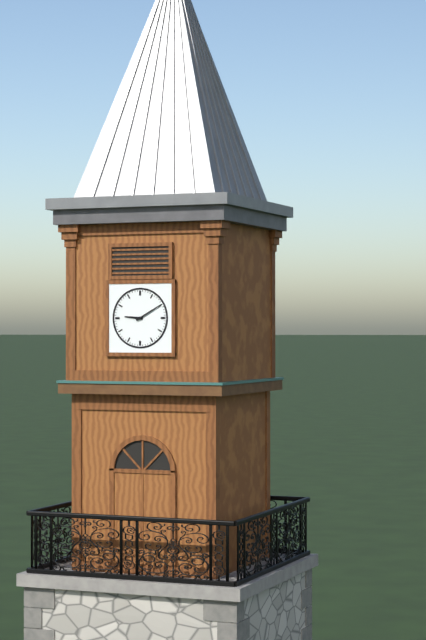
9:10
